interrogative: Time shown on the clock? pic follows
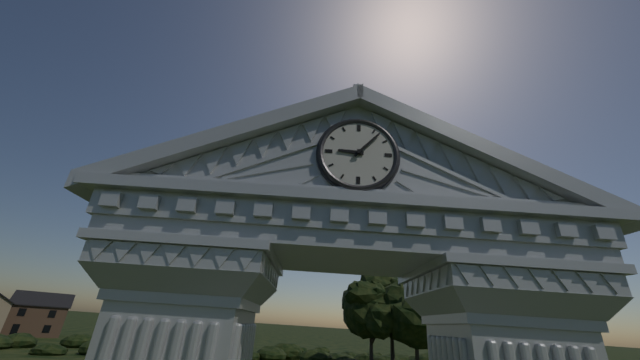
9:07
